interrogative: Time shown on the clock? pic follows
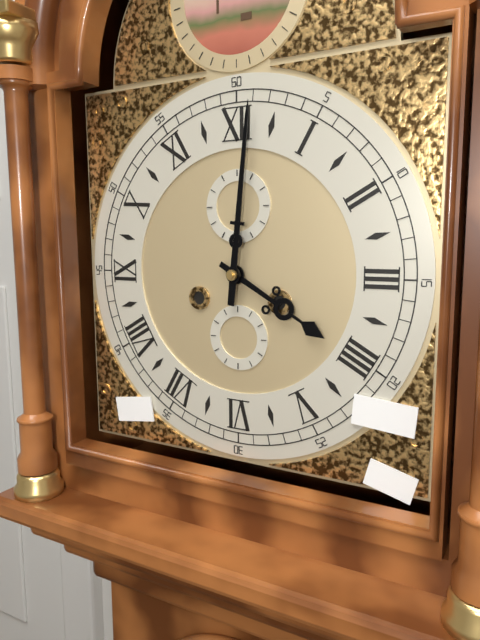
4:01
